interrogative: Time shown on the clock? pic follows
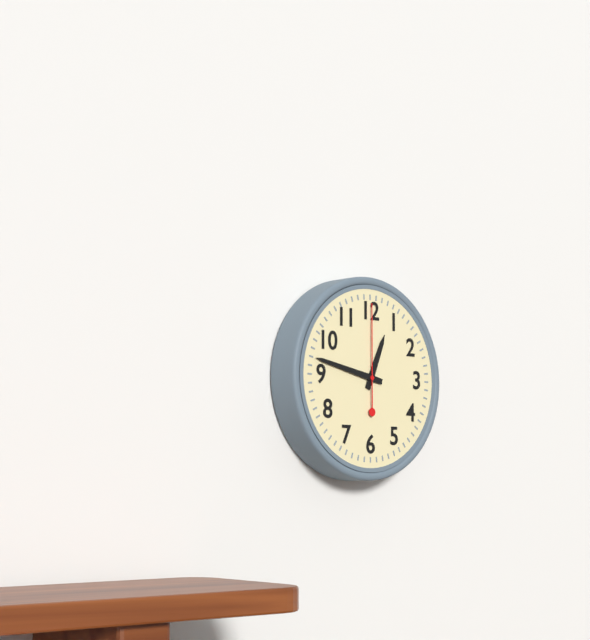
12:47:00
